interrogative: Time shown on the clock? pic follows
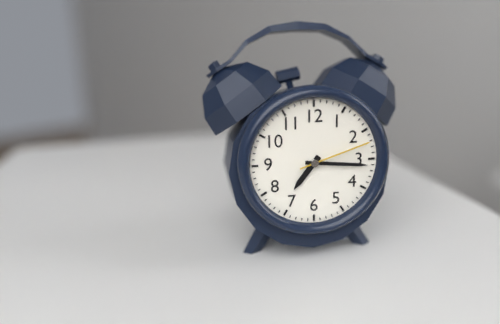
7:16:12
